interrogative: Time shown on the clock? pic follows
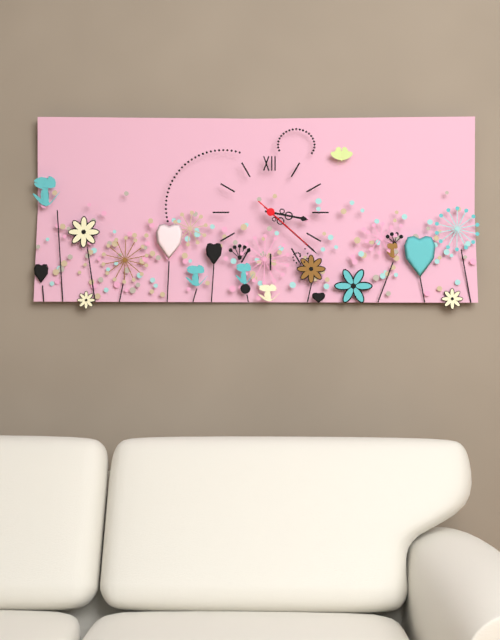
3:22:22
